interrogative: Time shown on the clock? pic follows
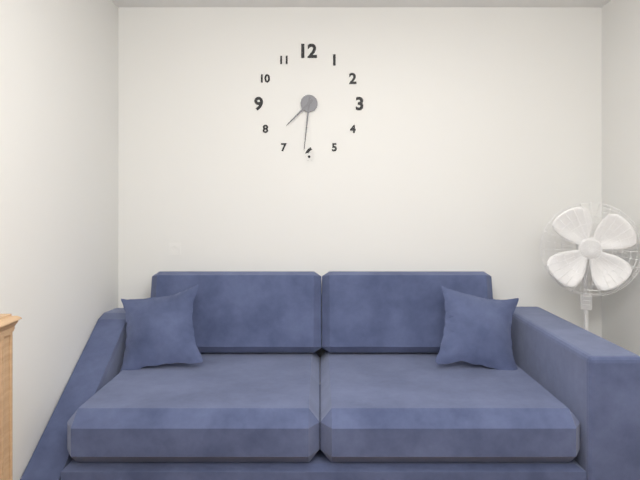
7:31
